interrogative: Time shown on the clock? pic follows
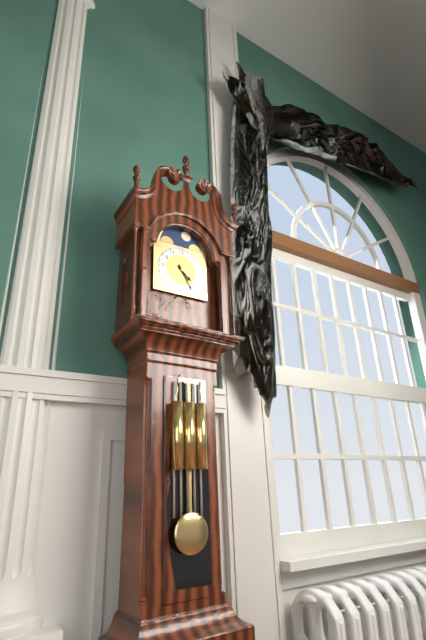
4:25
